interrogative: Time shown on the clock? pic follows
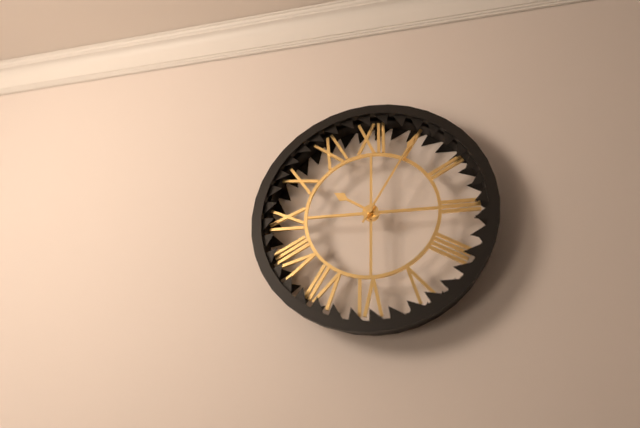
10:05
